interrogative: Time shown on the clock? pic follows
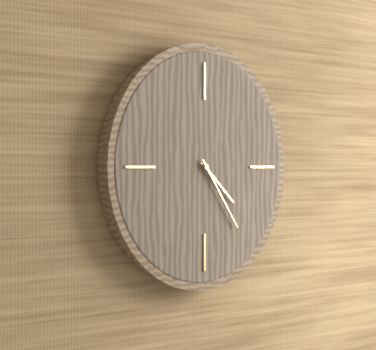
4:24
